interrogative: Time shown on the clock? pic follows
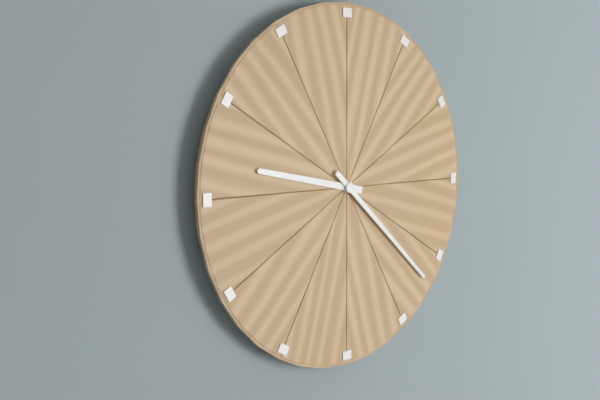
9:22
